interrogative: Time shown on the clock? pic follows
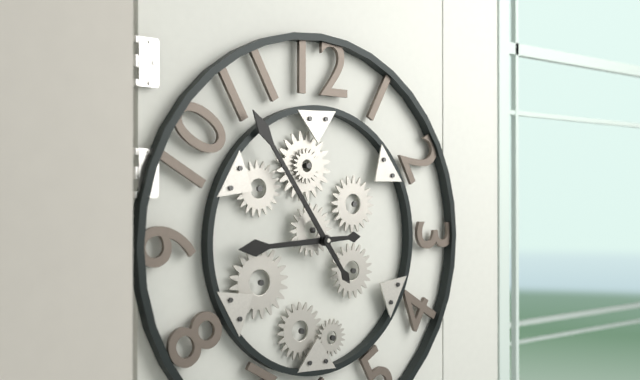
8:54
